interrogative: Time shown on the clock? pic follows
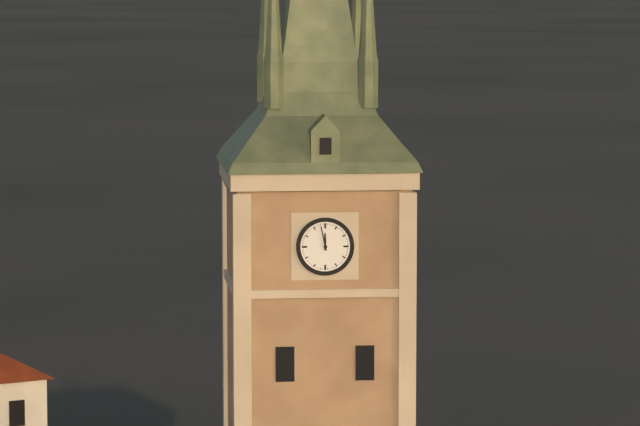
11:58
